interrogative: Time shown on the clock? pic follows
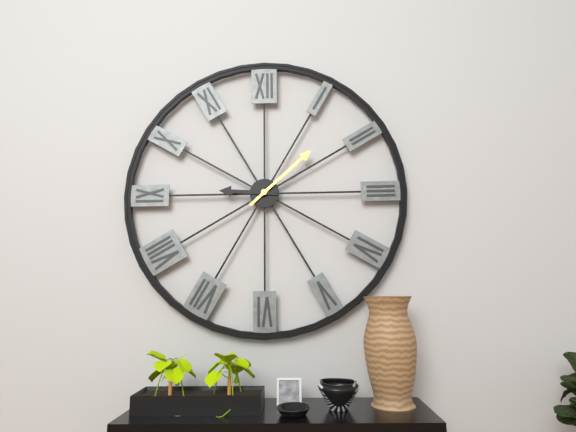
9:08
